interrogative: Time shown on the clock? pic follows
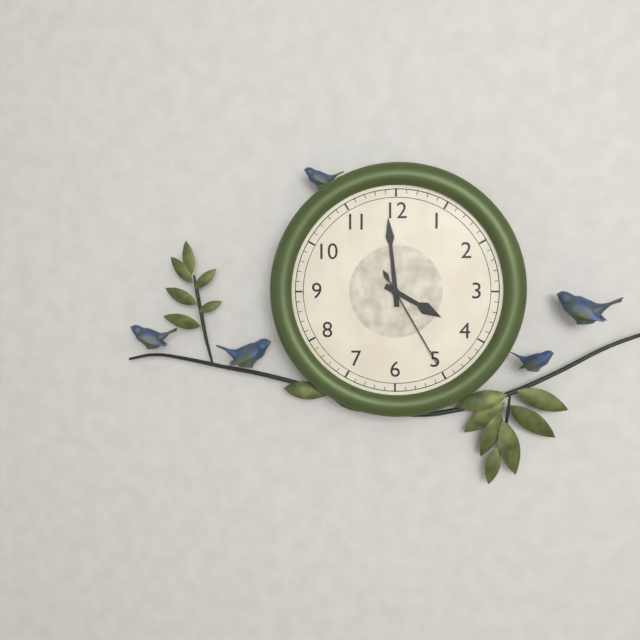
3:59:25
